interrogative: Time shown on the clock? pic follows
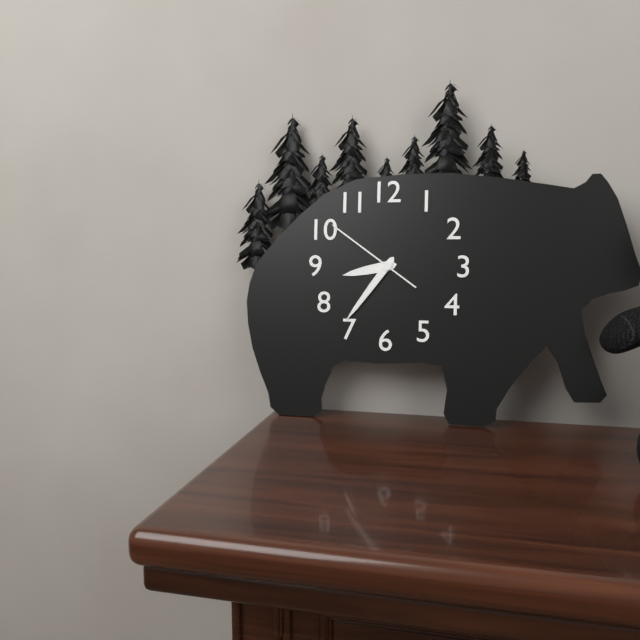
8:36:51
